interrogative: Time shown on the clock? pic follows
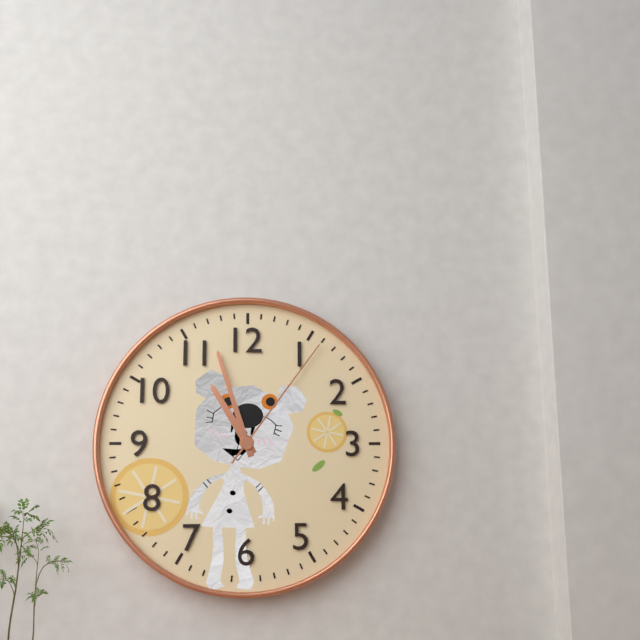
10:57:06
